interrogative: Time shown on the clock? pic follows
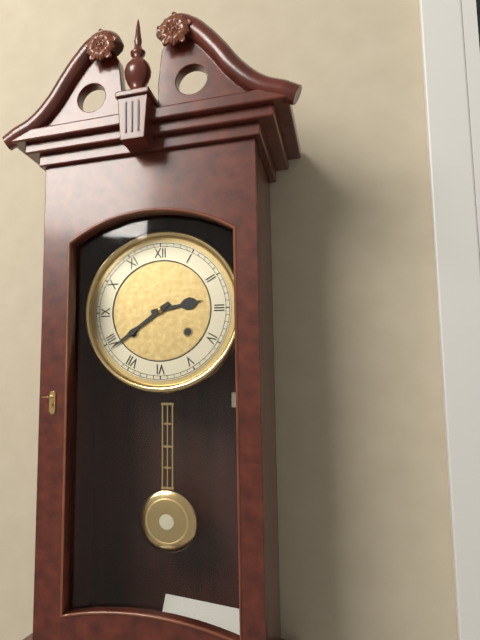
2:39
